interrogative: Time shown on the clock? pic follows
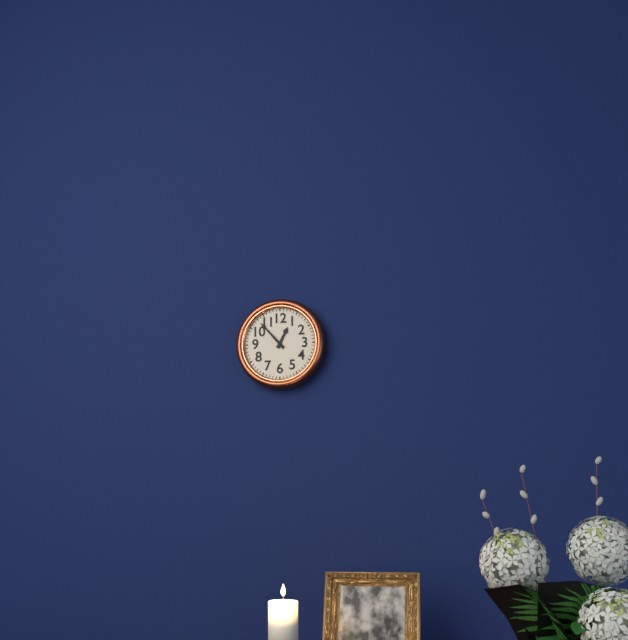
12:53
